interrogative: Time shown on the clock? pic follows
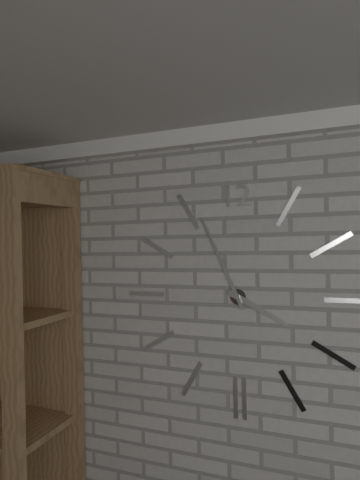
3:56
